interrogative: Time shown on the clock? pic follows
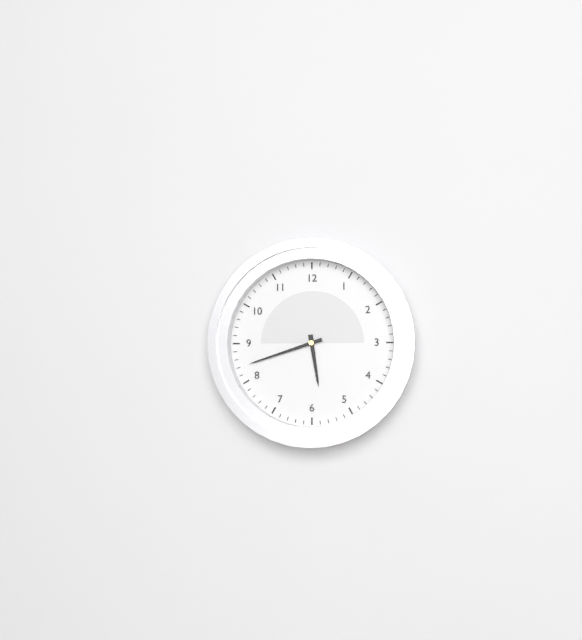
5:42
